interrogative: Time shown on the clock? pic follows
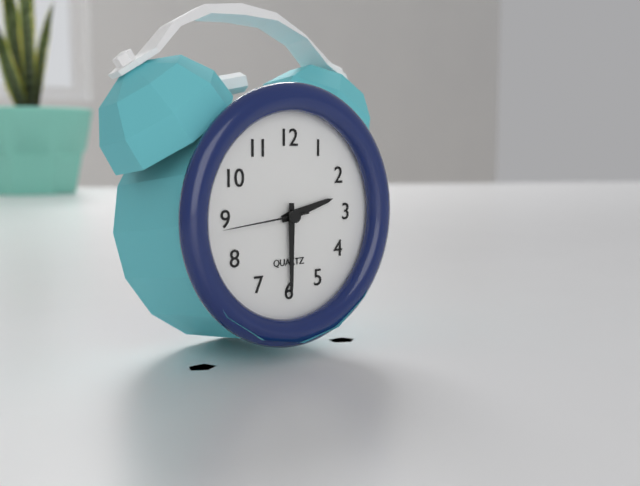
2:30:44
